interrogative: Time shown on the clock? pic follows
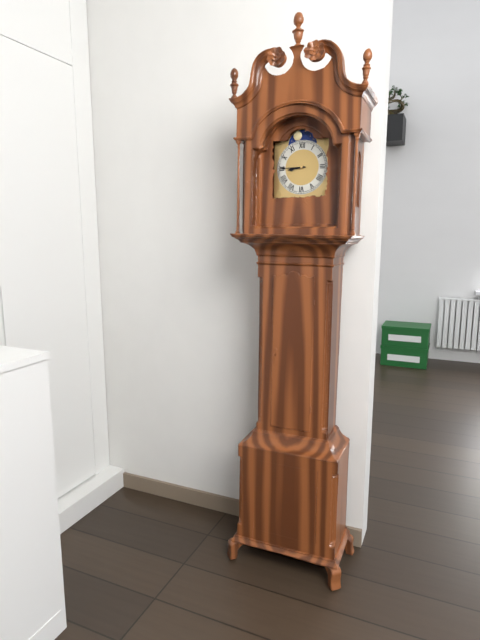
8:45
